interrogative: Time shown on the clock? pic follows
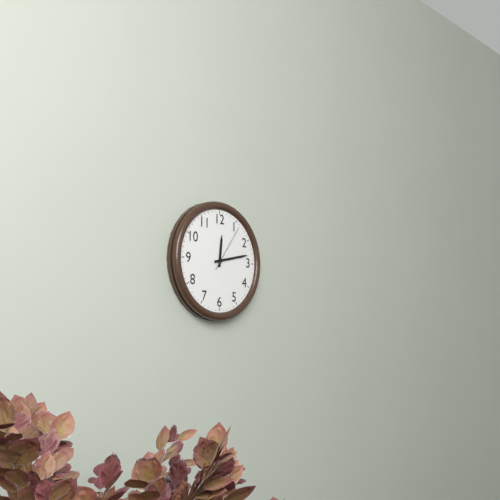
12:13
